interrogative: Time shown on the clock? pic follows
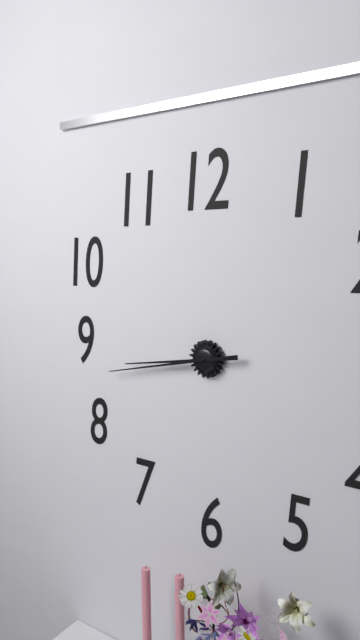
8:43
